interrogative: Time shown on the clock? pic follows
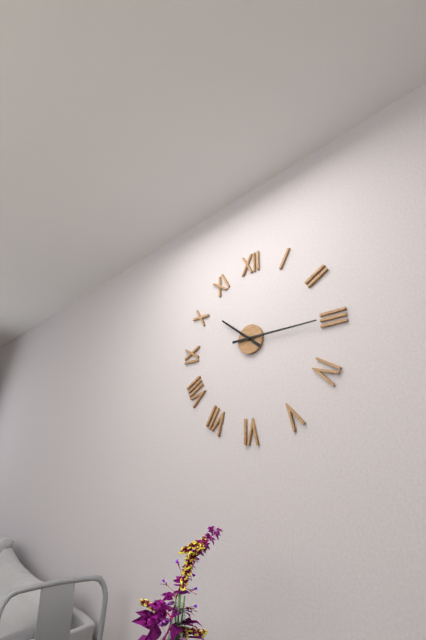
10:15
